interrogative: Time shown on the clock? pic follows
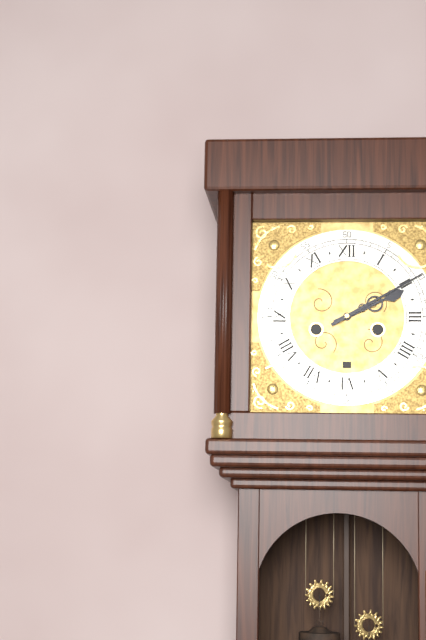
2:10
